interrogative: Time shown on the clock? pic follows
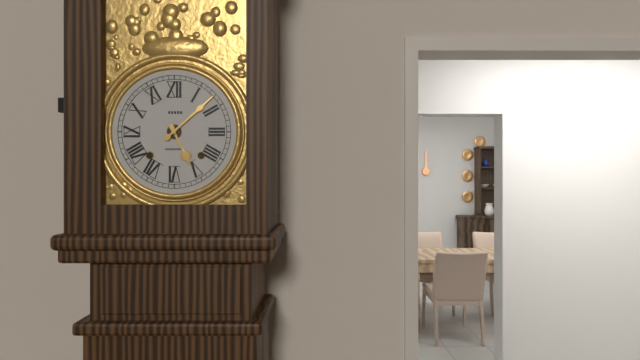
5:08
